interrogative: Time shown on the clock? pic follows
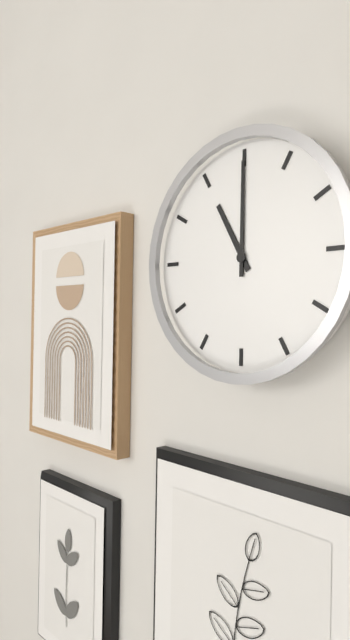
11:00
